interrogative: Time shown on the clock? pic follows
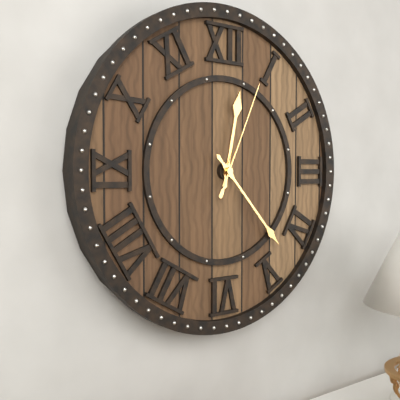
12:23:04
